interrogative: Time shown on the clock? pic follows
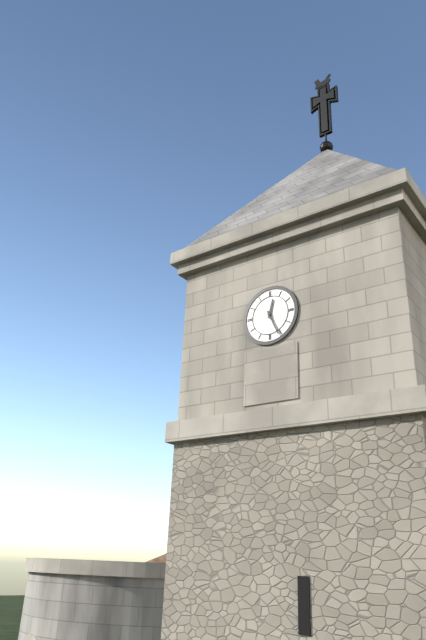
12:26
